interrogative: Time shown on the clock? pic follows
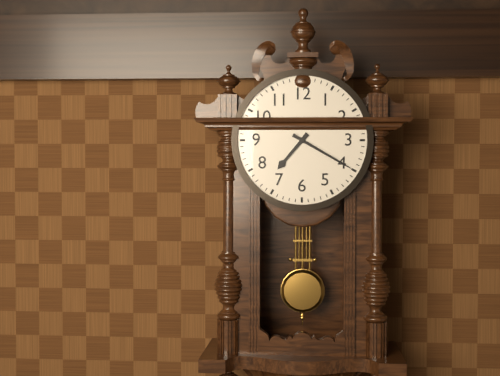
7:20
